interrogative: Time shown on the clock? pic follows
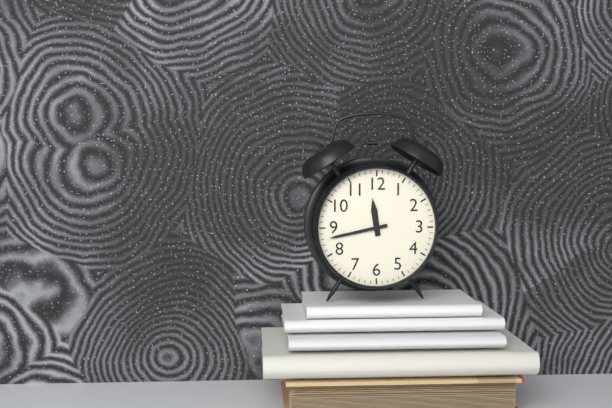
11:43
